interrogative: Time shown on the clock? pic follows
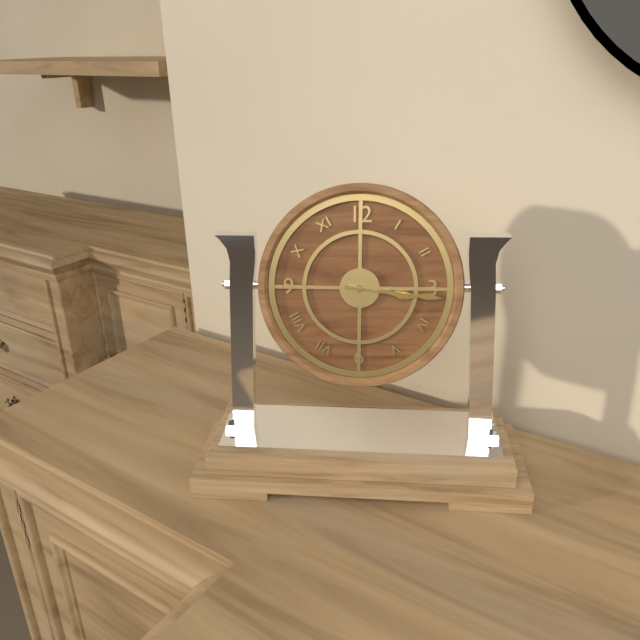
3:16
